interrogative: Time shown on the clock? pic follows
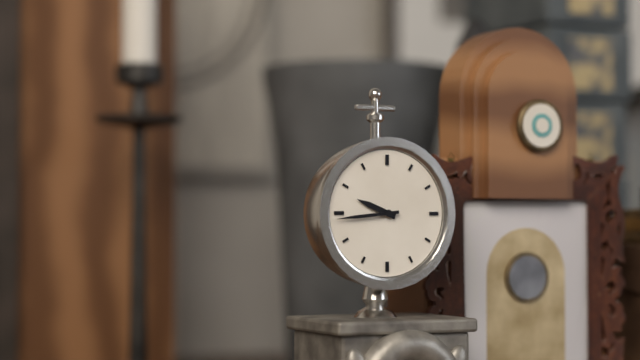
9:44
